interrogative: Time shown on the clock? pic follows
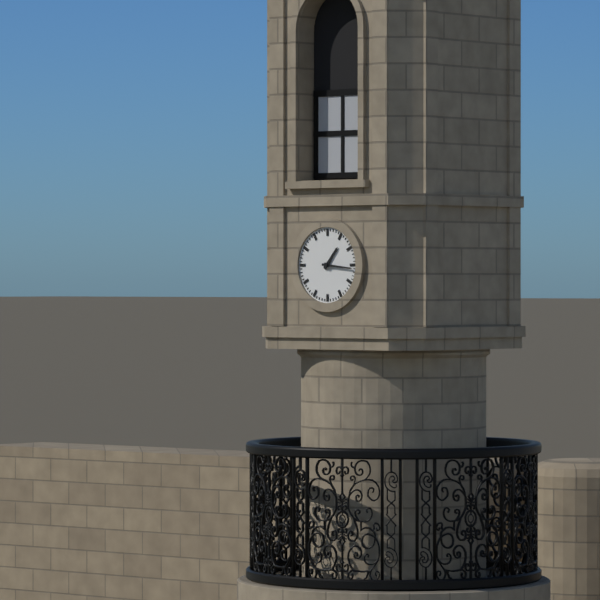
1:16
